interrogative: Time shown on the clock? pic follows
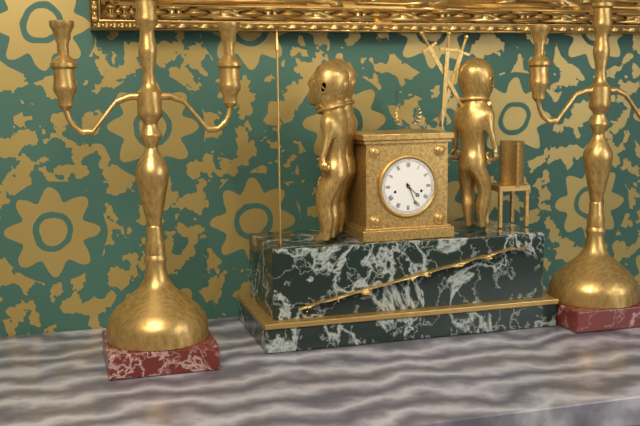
4:26
